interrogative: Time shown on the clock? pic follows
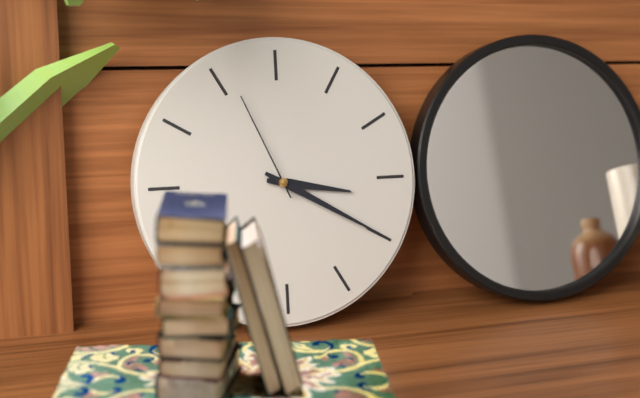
3:20:56
